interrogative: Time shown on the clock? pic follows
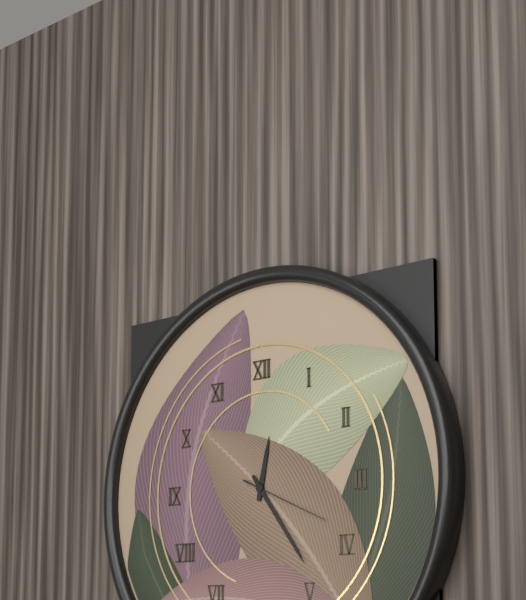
12:24:19
